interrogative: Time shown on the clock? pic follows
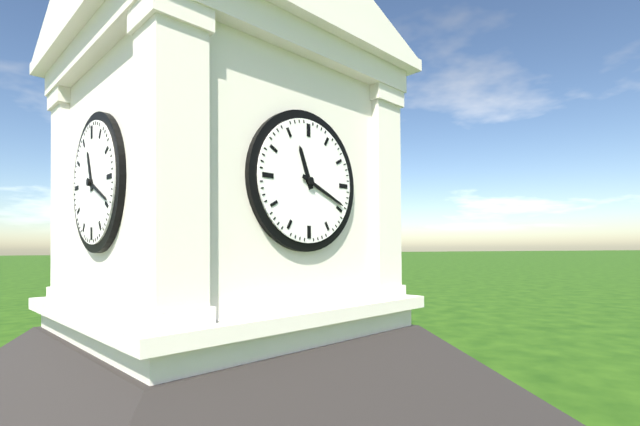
11:19
